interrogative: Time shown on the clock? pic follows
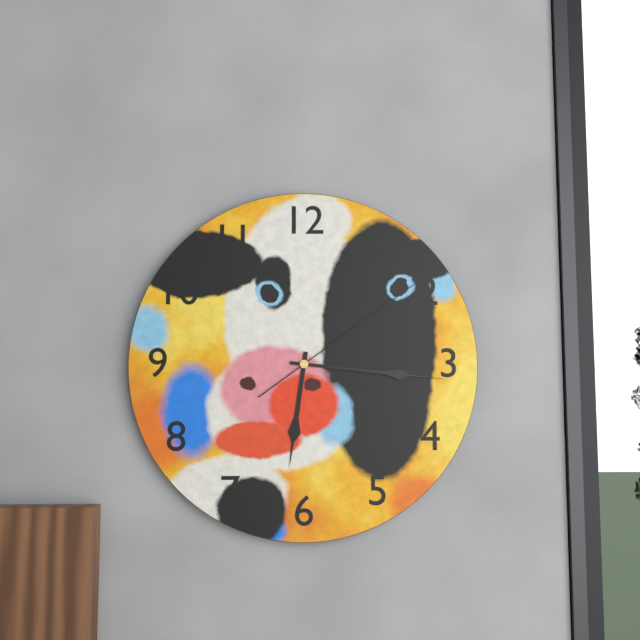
6:16:09
